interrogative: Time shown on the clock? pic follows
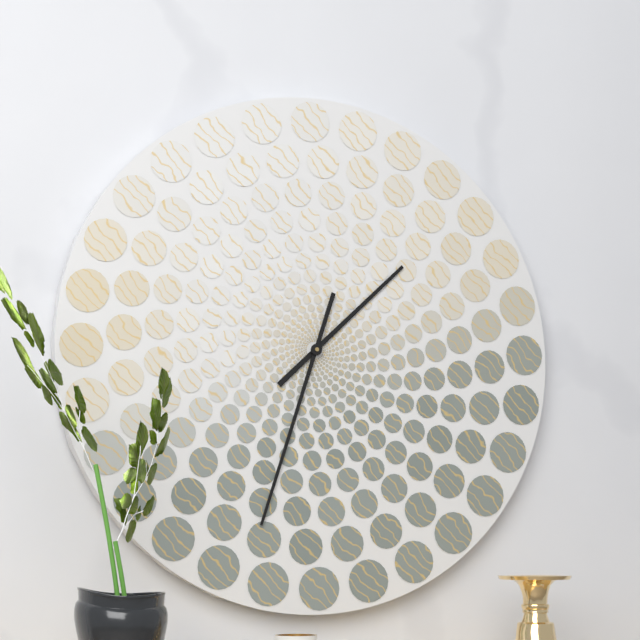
1:33
